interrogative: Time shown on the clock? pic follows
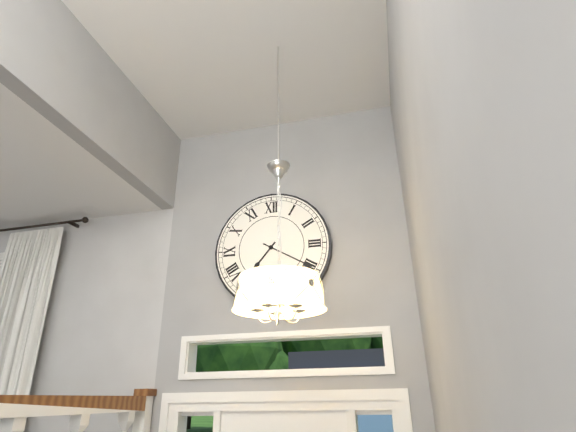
7:20
